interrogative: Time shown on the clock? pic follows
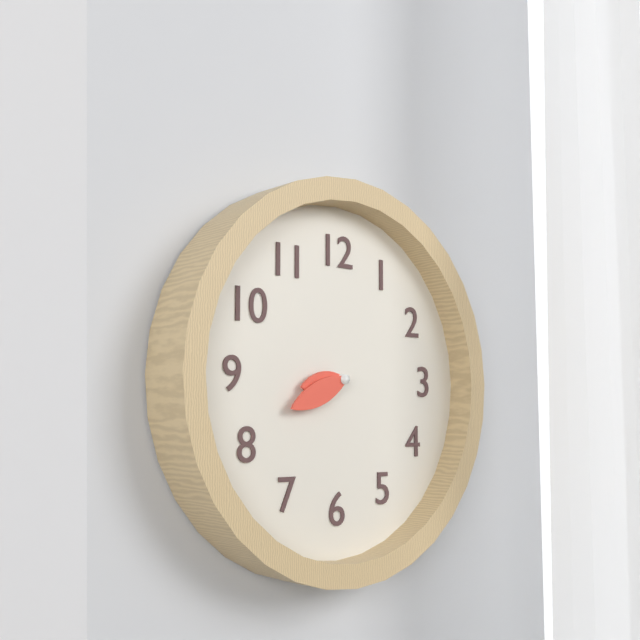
8:41
